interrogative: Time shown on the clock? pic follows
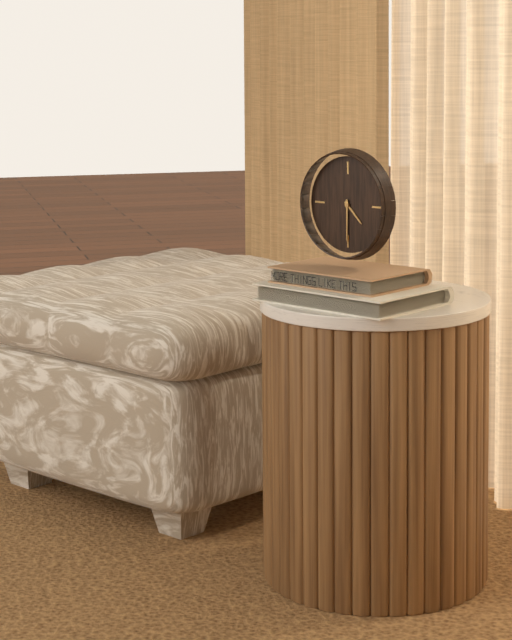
4:30
